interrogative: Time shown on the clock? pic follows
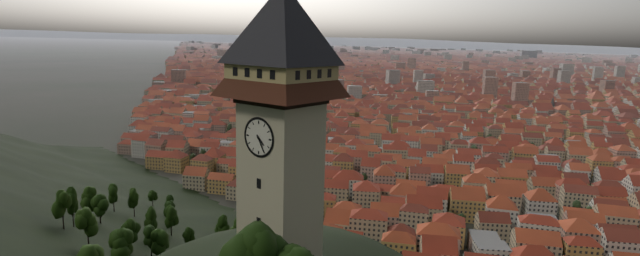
4:25
